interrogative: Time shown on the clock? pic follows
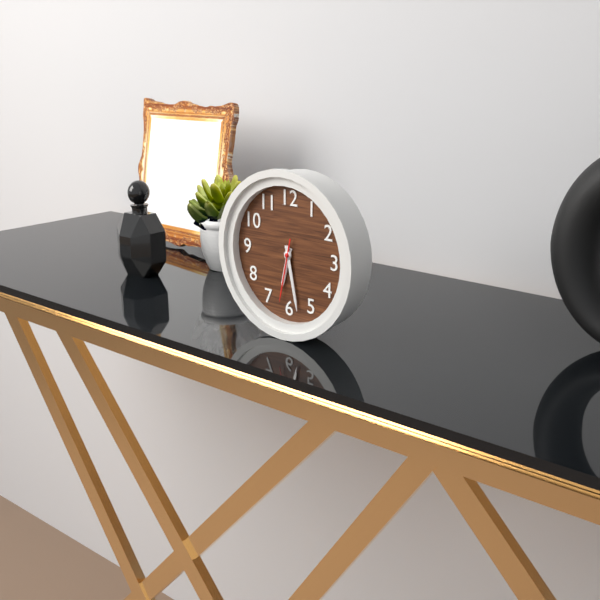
6:28:32
